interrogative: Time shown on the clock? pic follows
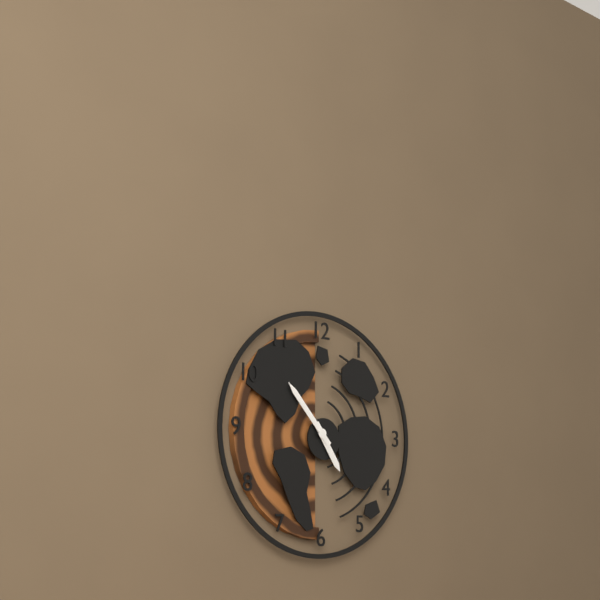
4:53
